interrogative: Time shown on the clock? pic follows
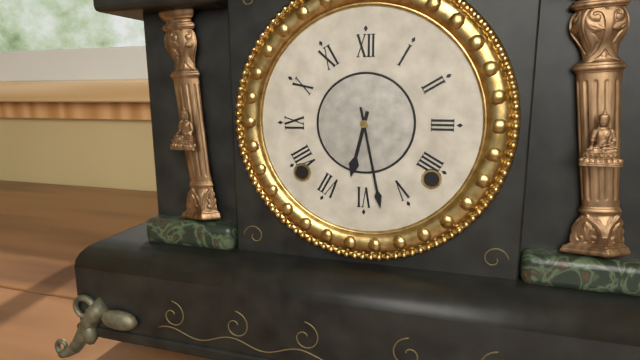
6:28
